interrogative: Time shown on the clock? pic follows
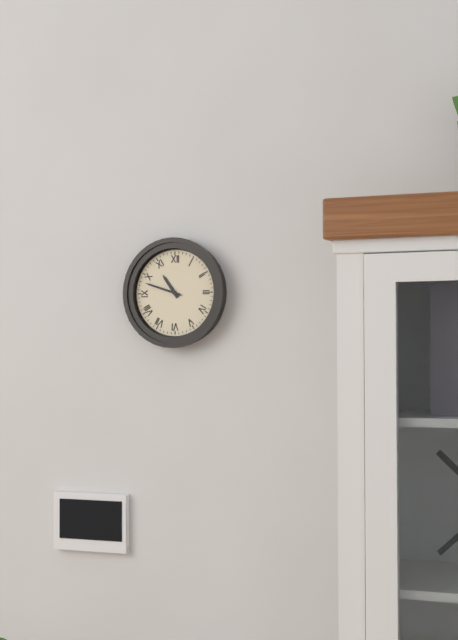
10:48
